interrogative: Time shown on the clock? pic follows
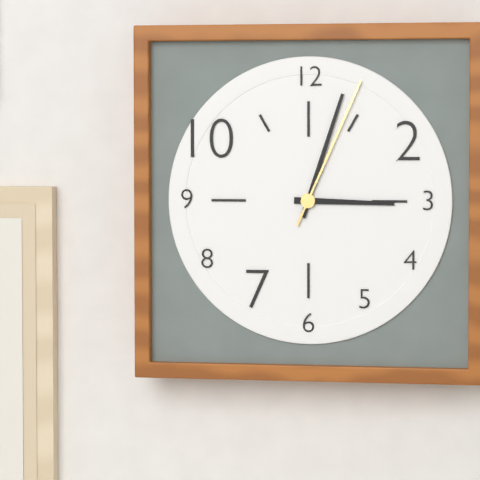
3:03:04
